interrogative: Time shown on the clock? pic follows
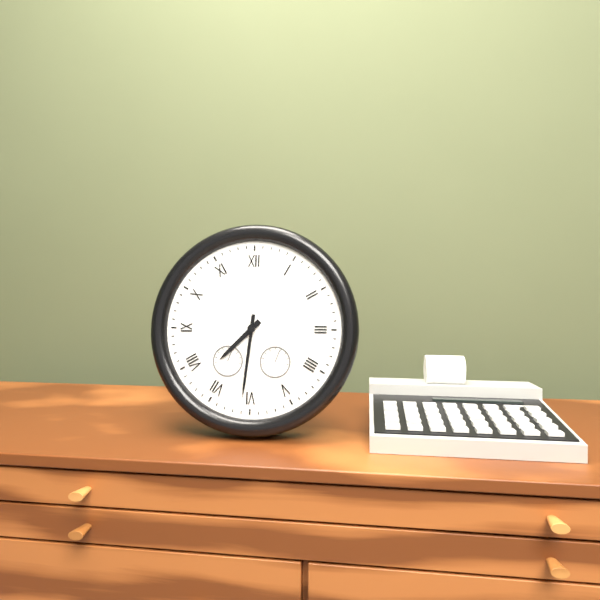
7:31
